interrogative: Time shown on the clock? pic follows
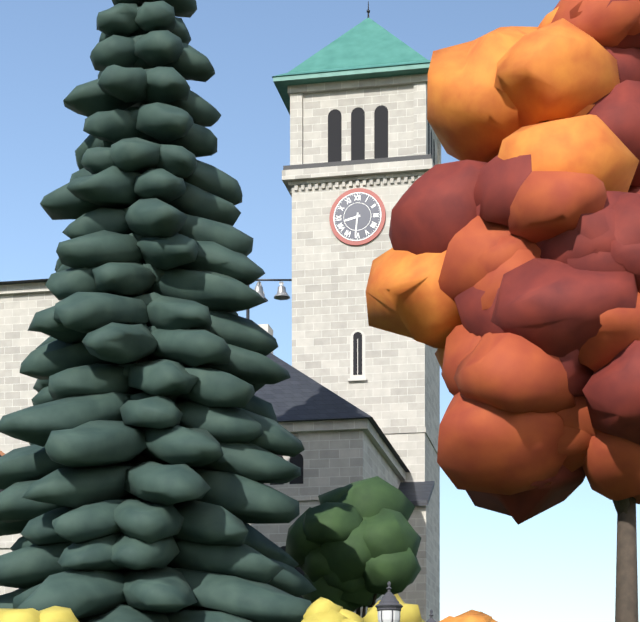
8:31
